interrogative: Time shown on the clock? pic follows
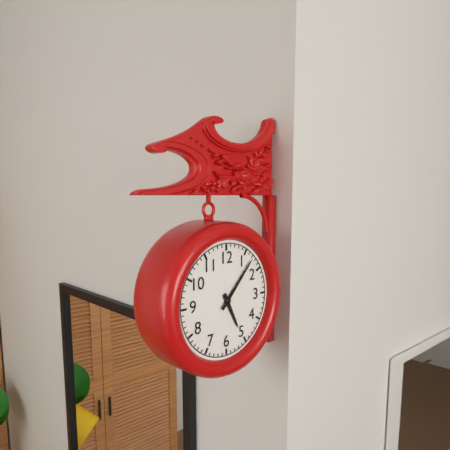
5:07
